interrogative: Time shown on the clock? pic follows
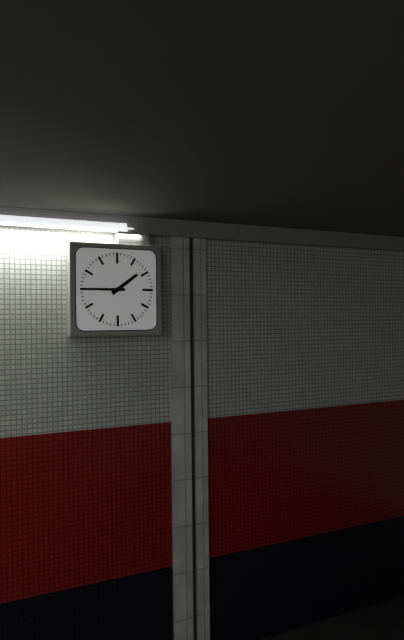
1:45
